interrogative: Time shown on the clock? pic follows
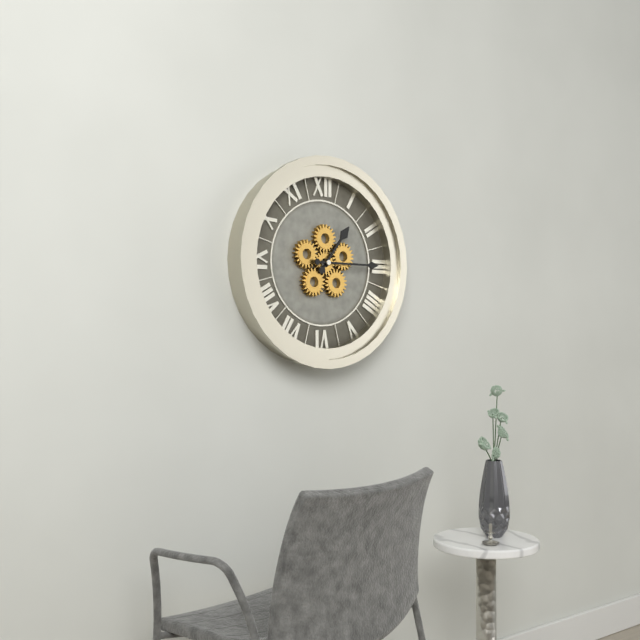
1:15
